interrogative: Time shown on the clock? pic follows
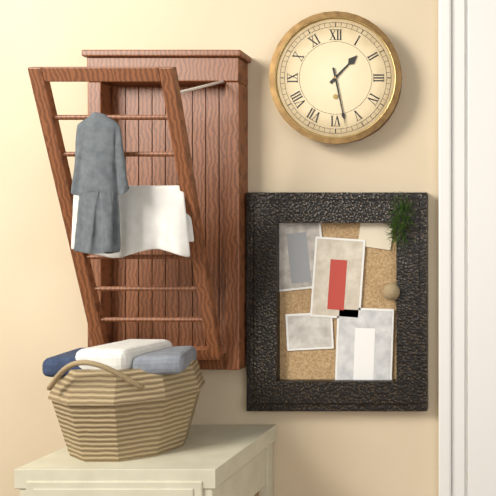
1:28
